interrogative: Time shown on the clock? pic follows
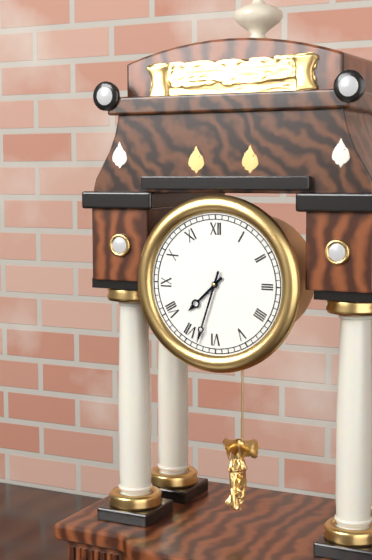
7:33
